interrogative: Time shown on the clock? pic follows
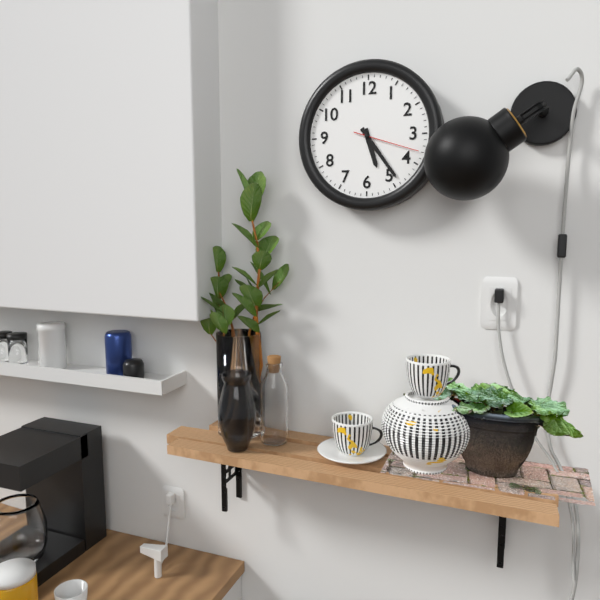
5:24:18
